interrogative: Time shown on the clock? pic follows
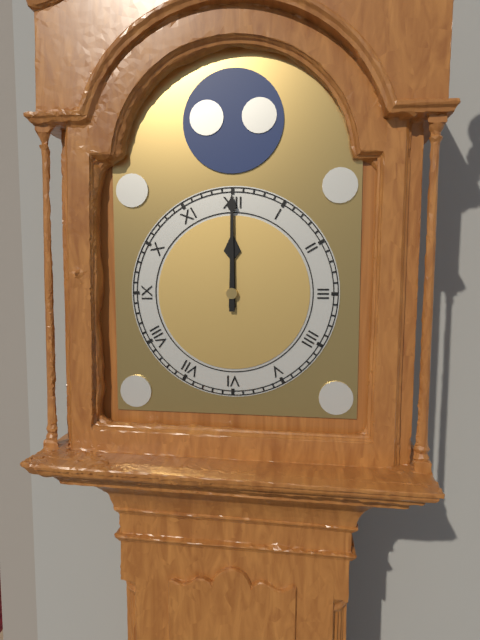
12:00
